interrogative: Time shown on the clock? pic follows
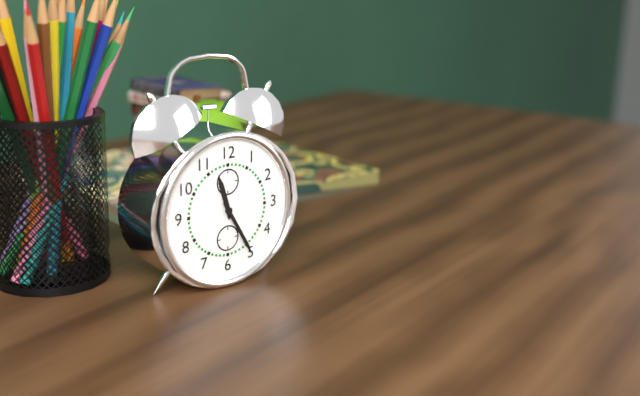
11:25
